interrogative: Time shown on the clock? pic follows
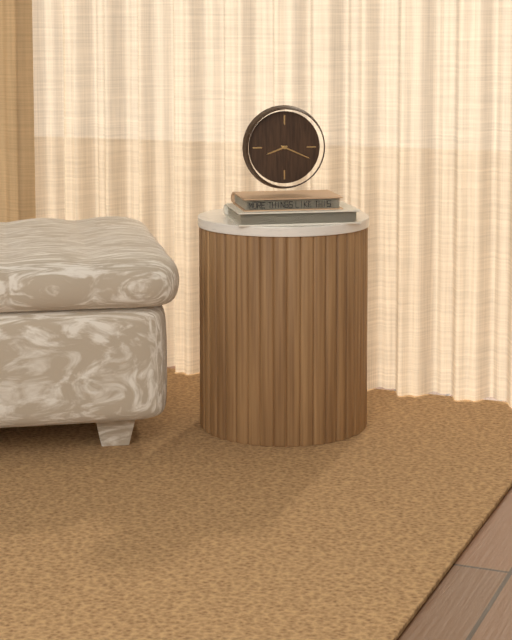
8:19
